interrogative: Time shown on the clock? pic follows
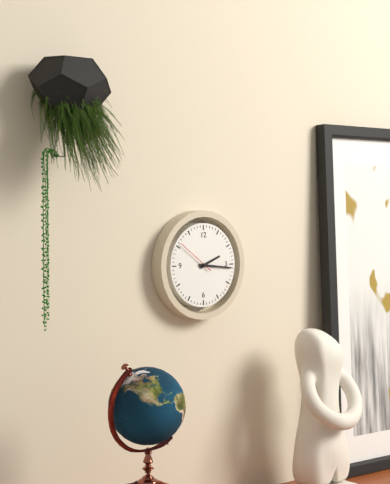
2:16
